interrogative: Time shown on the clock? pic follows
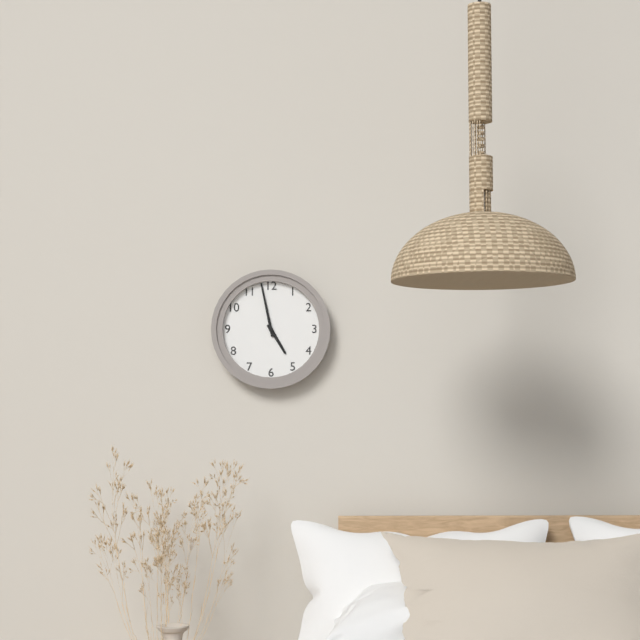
4:58
